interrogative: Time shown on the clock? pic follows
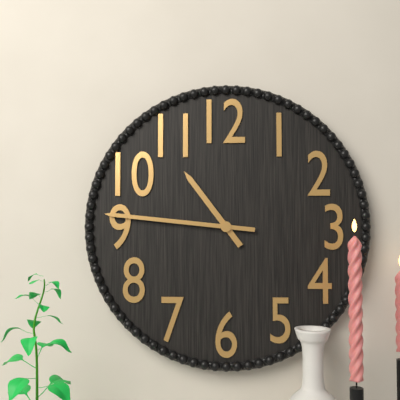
10:46
